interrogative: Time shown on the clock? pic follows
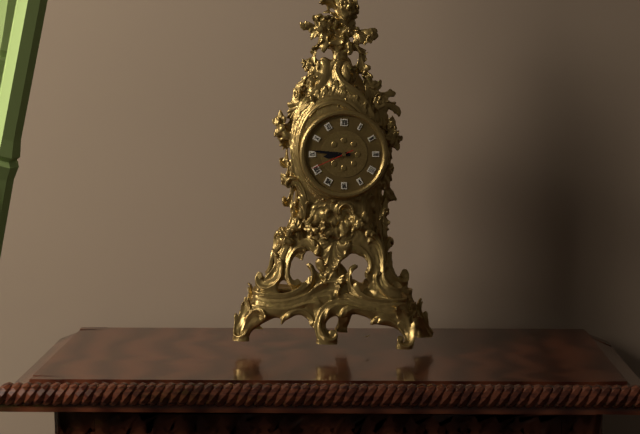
8:46
